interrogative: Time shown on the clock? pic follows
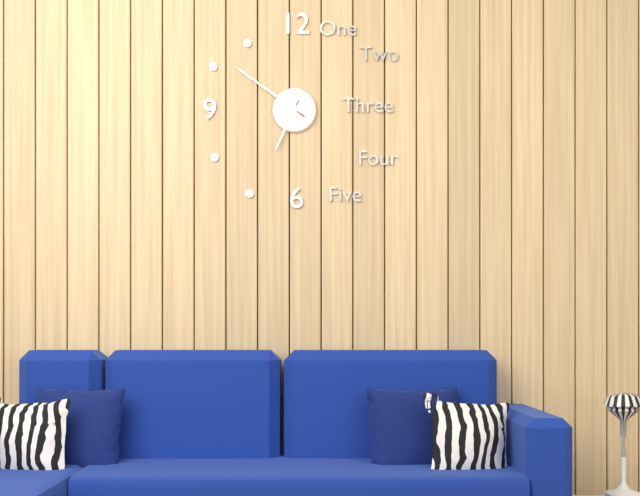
6:51
